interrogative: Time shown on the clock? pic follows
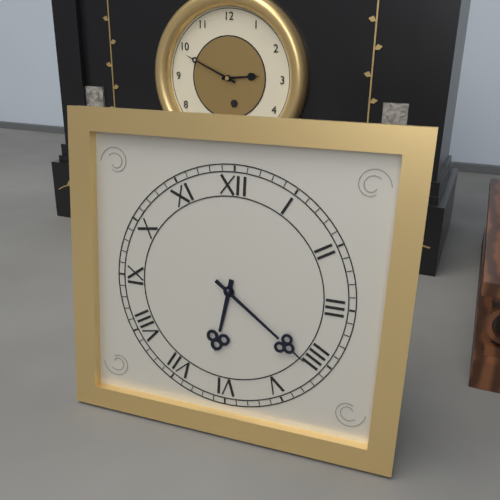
6:21
